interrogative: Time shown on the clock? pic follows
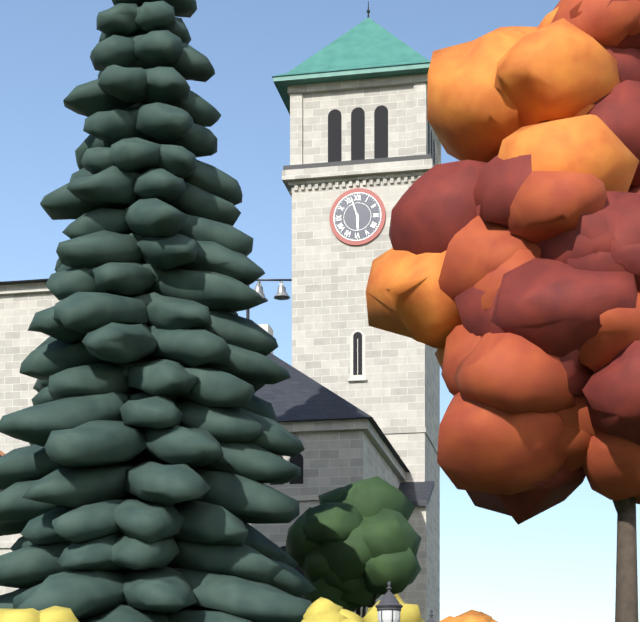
5:57
